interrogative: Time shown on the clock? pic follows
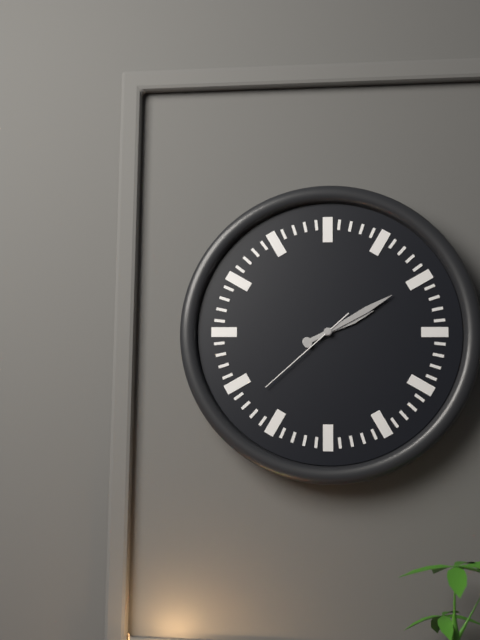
2:10:38
